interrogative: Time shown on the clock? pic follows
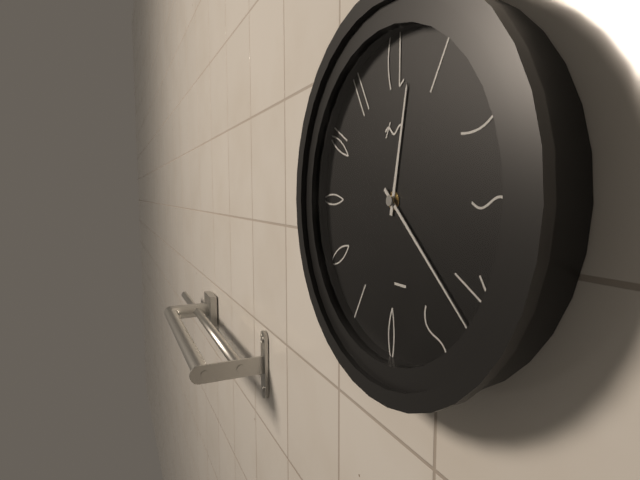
12:22
